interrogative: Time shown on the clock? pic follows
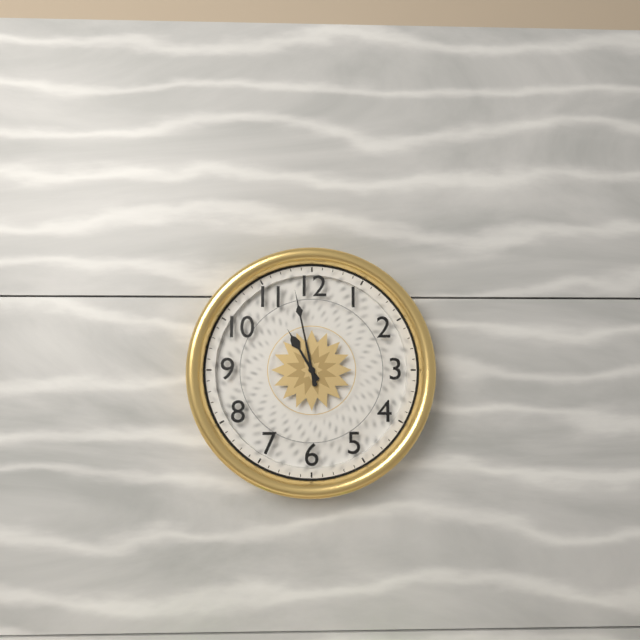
10:58
